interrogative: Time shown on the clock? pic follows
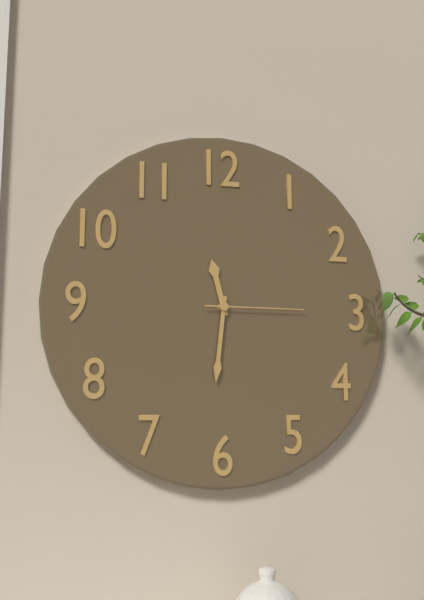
11:31:15
